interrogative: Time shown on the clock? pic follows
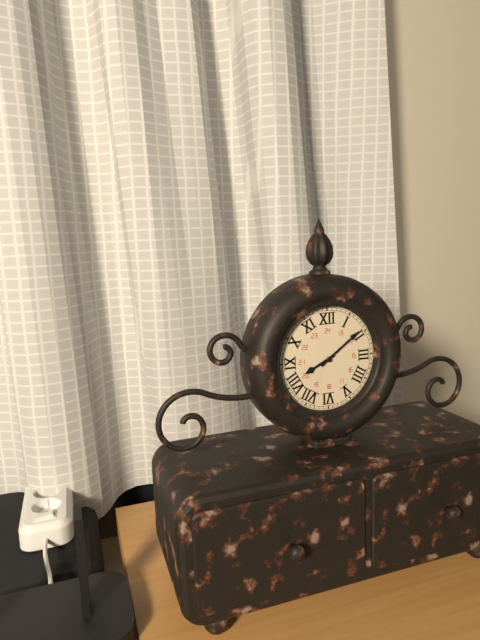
8:09
